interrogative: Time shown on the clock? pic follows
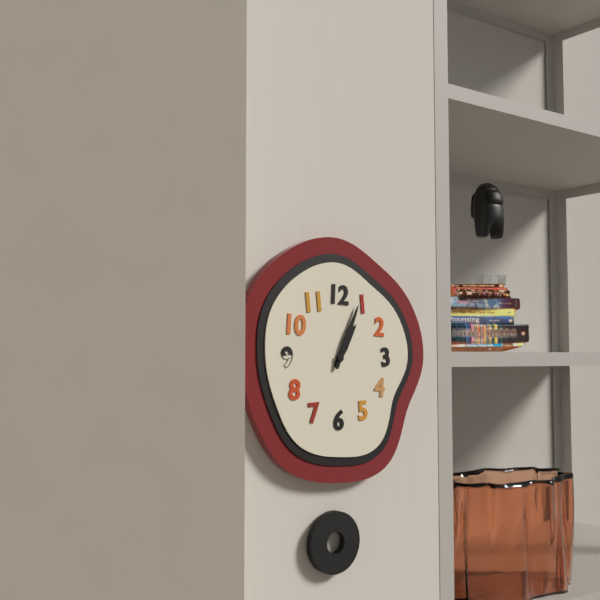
1:04
